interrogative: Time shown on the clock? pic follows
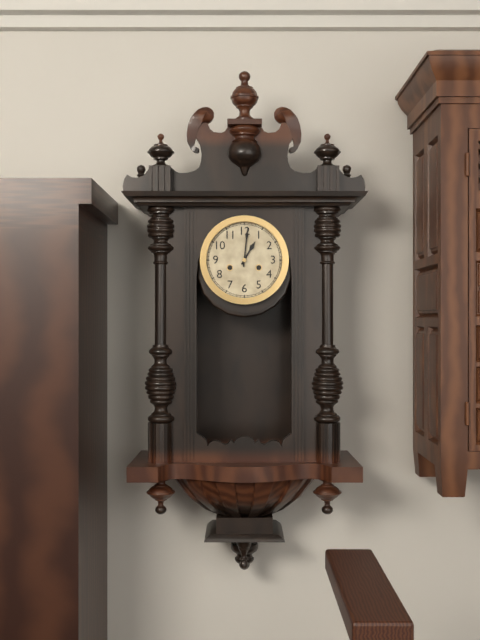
1:01
